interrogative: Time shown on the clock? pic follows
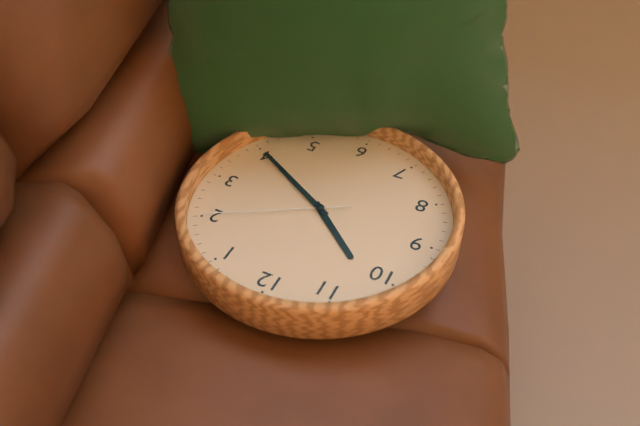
10:20:10
